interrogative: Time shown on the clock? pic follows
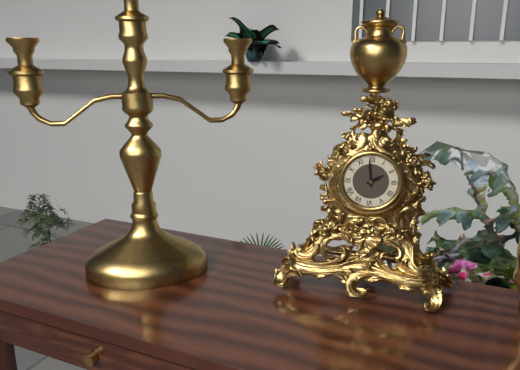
1:59
